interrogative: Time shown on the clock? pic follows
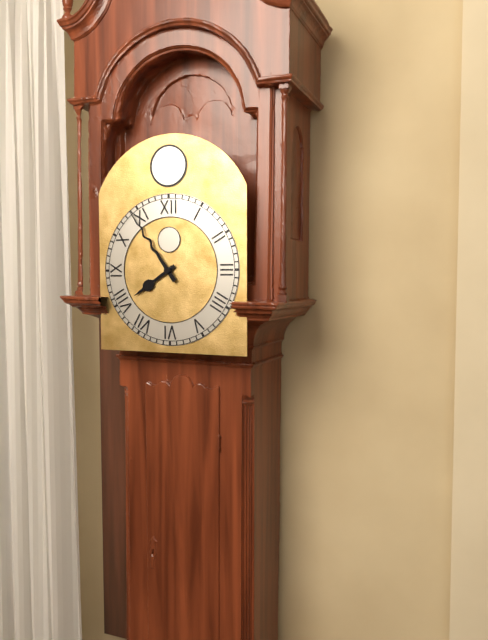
7:54
